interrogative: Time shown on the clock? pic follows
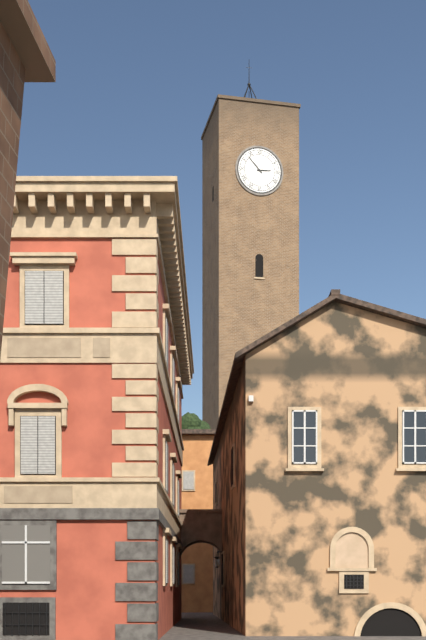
2:53
